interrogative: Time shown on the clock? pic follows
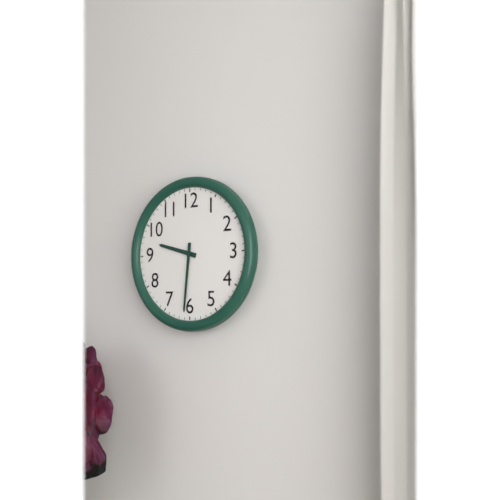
9:31
